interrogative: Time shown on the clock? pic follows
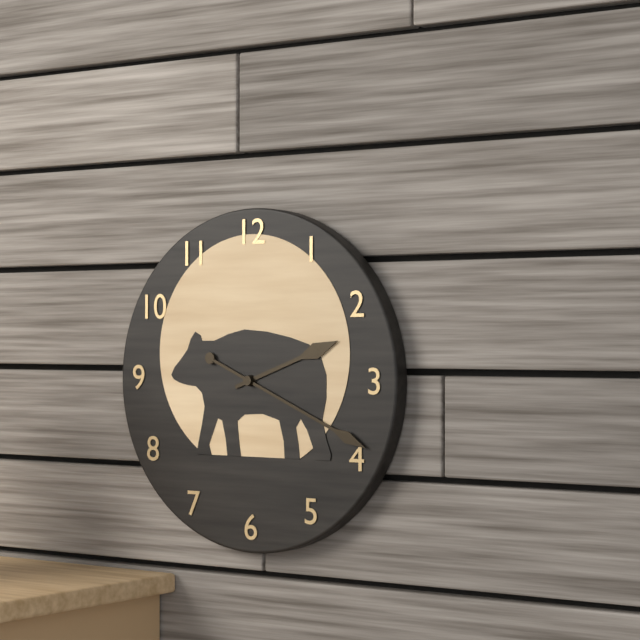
2:19
